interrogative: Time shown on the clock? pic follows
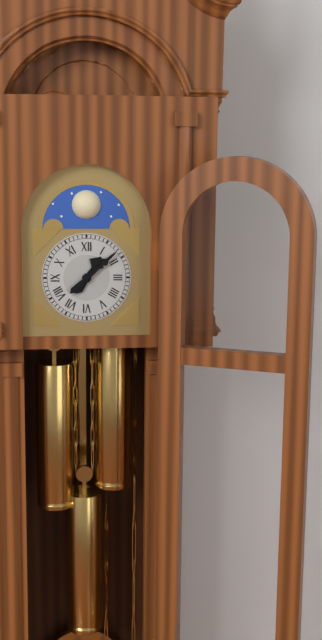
1:08
